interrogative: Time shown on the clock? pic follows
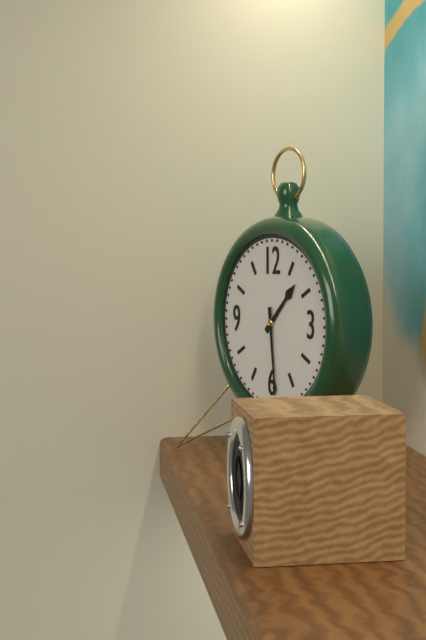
1:29
